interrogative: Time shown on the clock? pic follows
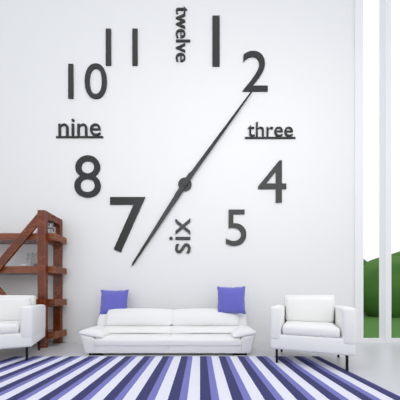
7:06
